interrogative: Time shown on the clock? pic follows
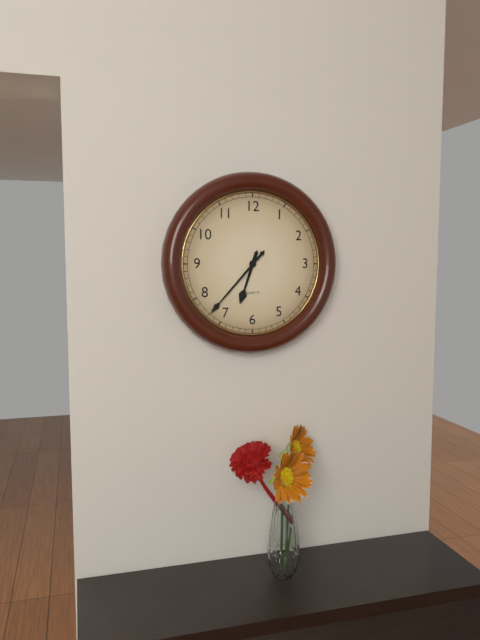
6:37
